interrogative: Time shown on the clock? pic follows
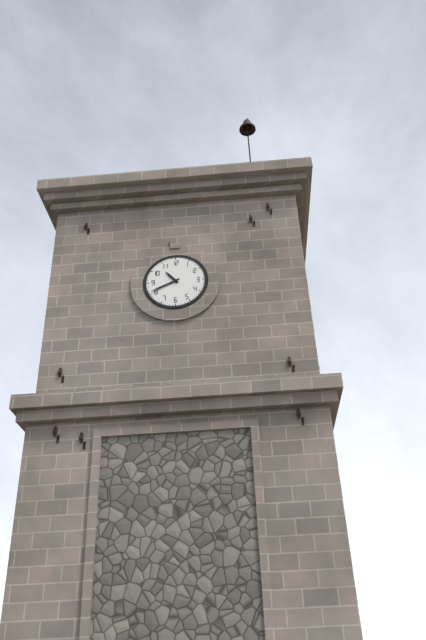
10:41
